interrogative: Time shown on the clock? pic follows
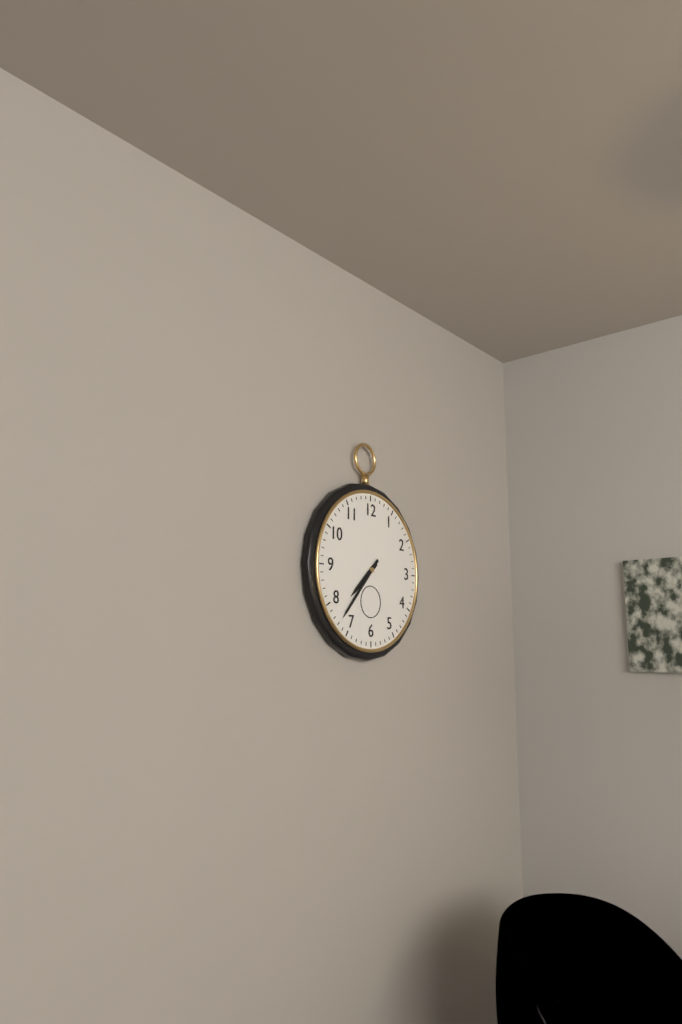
7:37
